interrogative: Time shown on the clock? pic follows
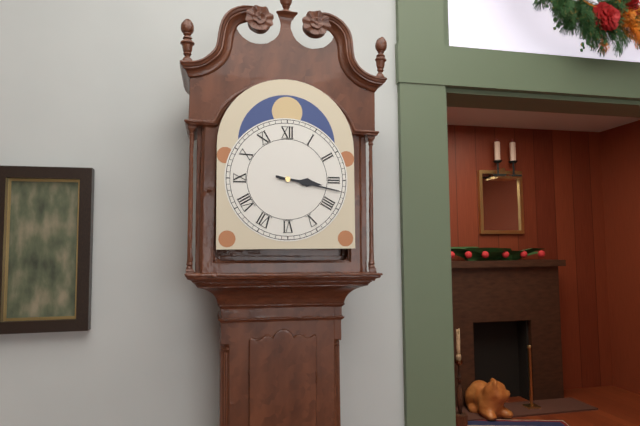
3:17
